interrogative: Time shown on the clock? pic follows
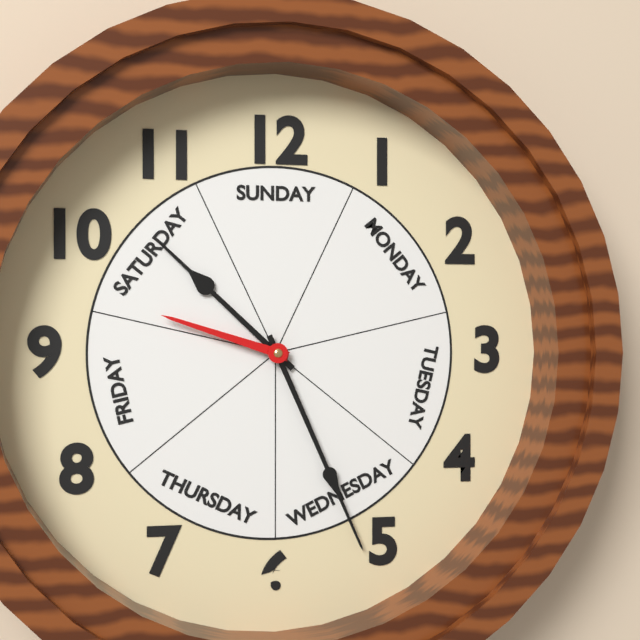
10:26:48
